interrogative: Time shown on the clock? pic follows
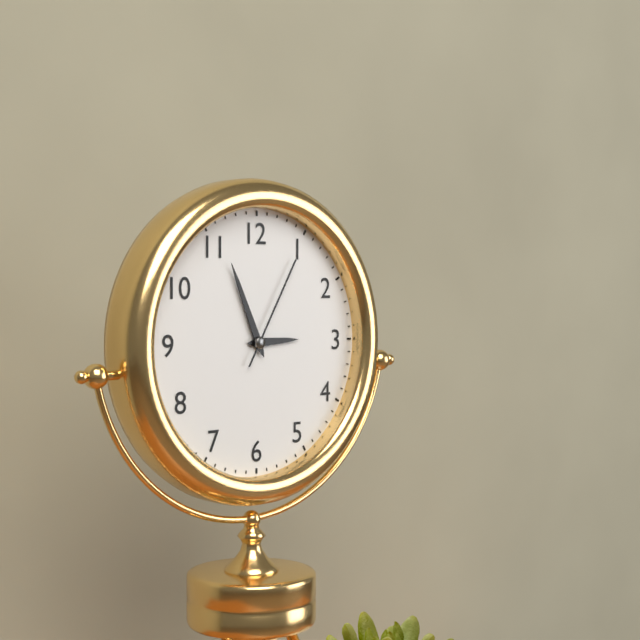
2:56:05
